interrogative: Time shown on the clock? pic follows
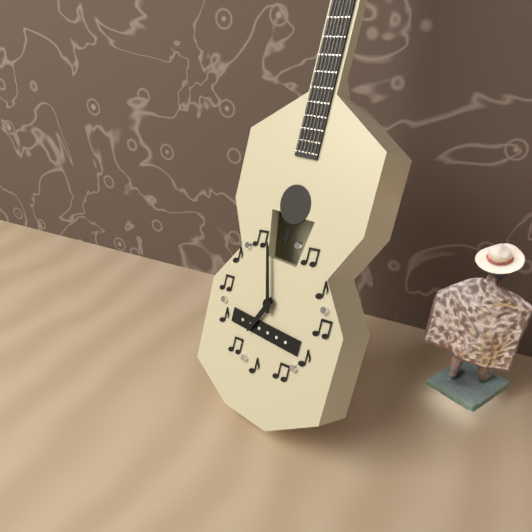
6:57
